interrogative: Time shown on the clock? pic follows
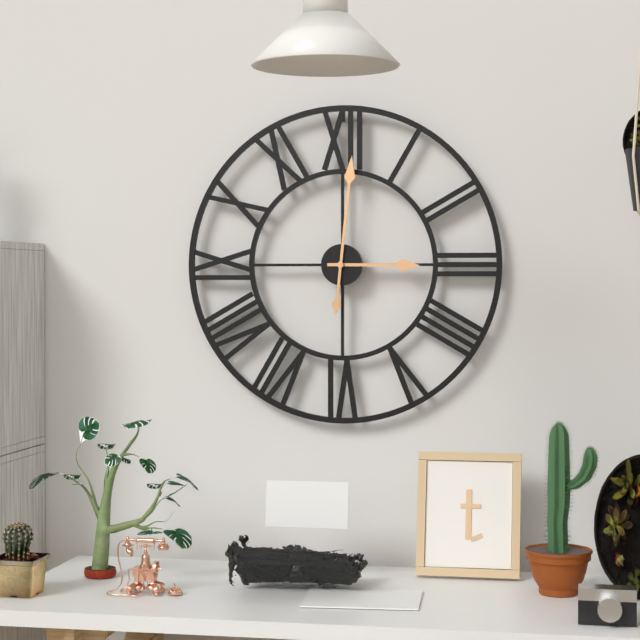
3:01
